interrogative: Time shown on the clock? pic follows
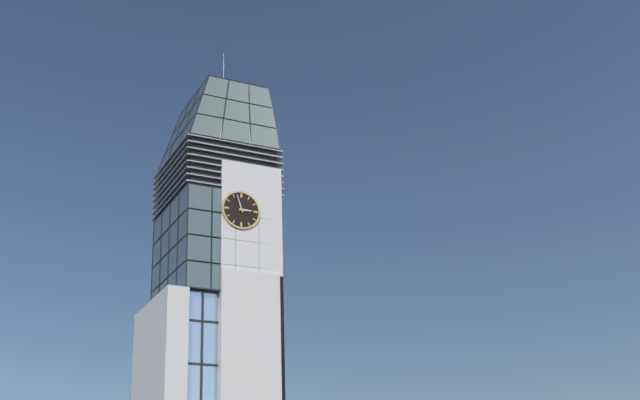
2:57
